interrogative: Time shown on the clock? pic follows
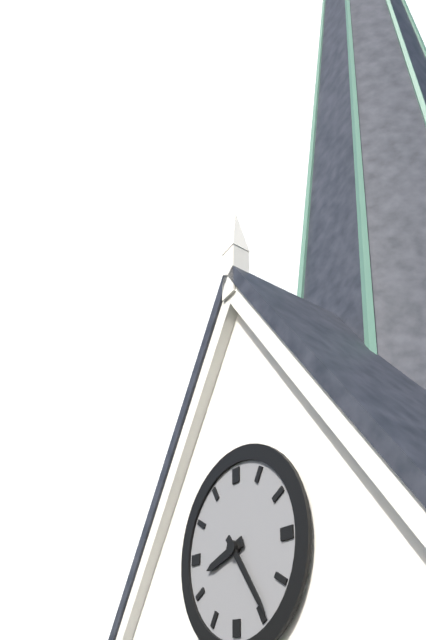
8:24
